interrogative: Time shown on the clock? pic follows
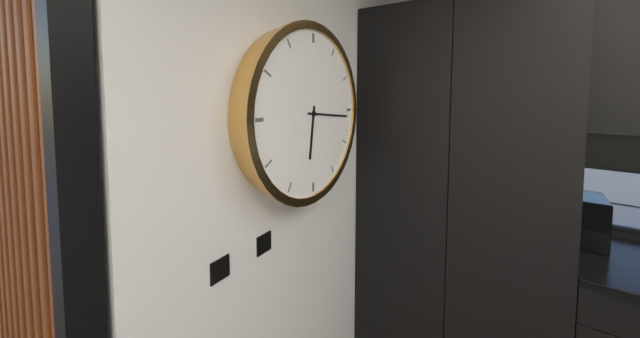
6:16
